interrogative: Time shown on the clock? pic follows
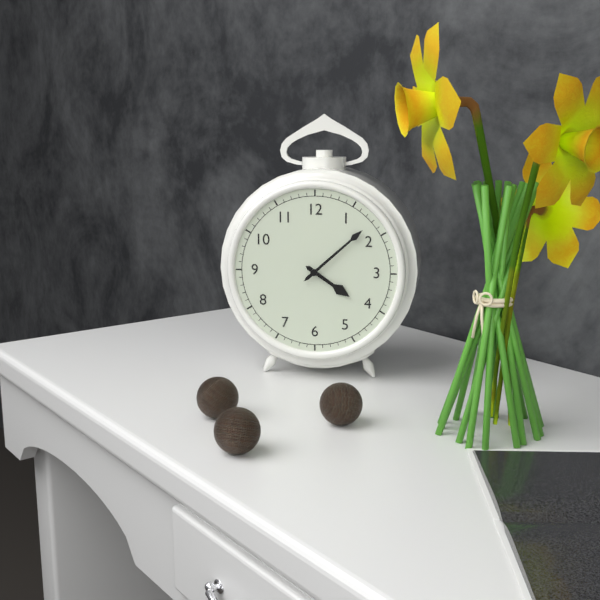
4:08
